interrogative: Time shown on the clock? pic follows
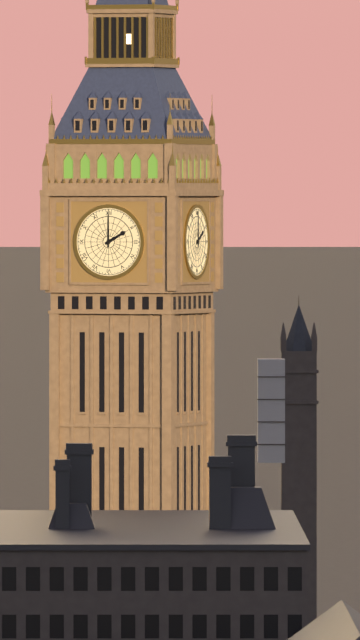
2:00
